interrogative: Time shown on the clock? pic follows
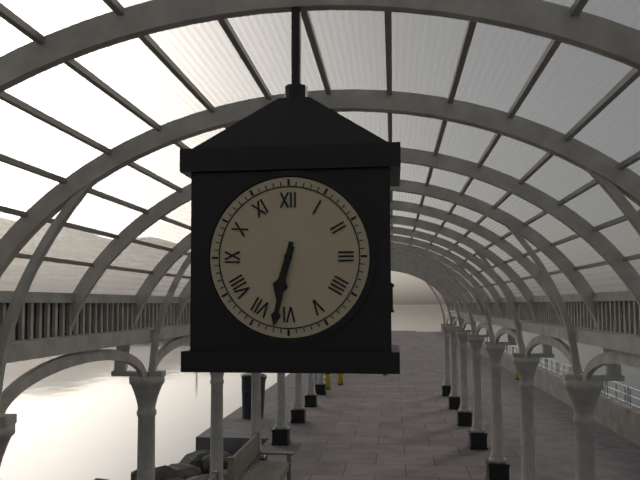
6:32
